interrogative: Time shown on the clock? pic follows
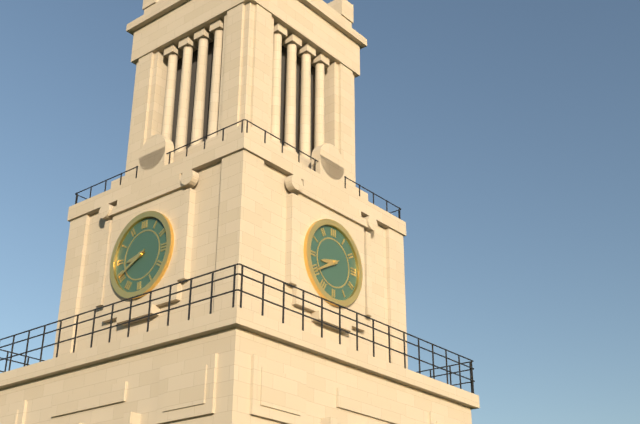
8:40
